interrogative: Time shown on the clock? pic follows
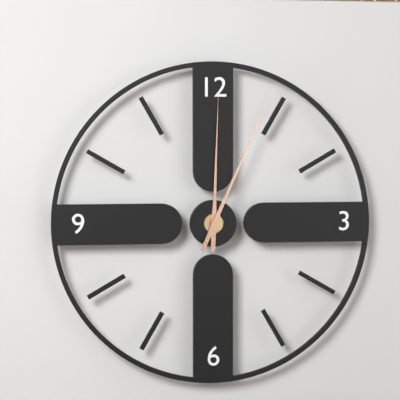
12:04
